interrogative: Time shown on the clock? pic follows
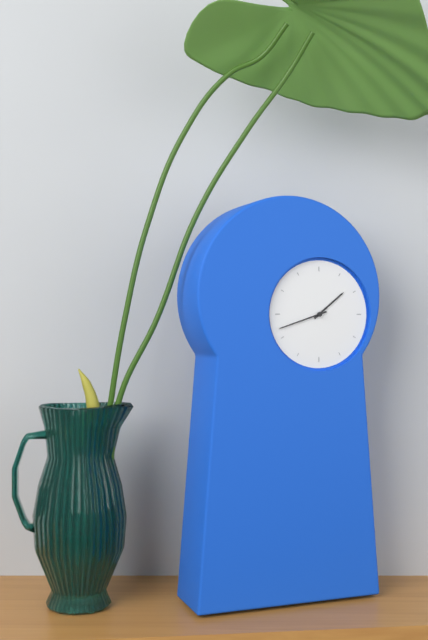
1:42
